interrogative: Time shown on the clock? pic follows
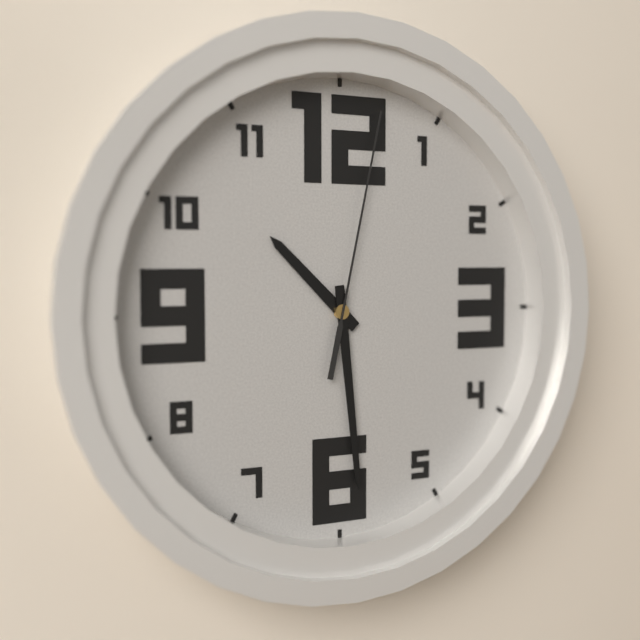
10:29:02
